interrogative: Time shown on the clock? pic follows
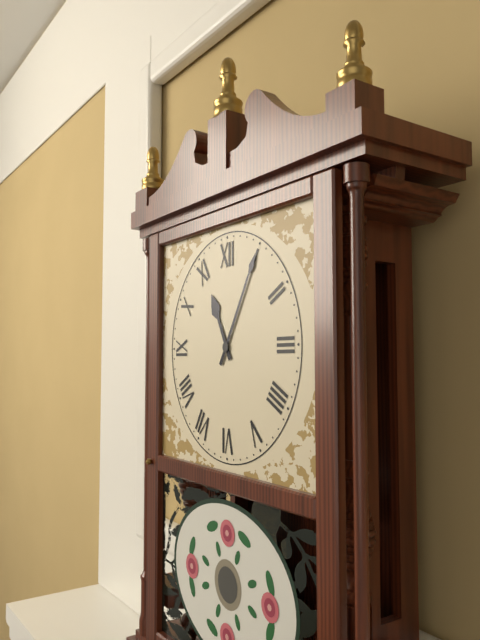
11:05
